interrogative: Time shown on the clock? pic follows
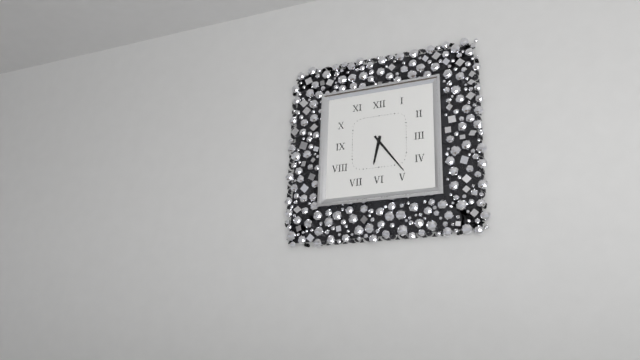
6:24
